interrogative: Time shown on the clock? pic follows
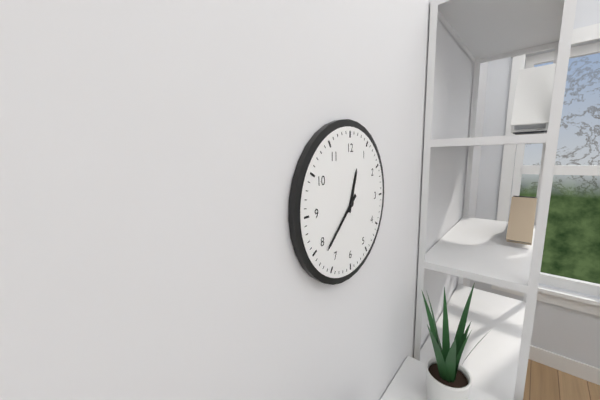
12:38
